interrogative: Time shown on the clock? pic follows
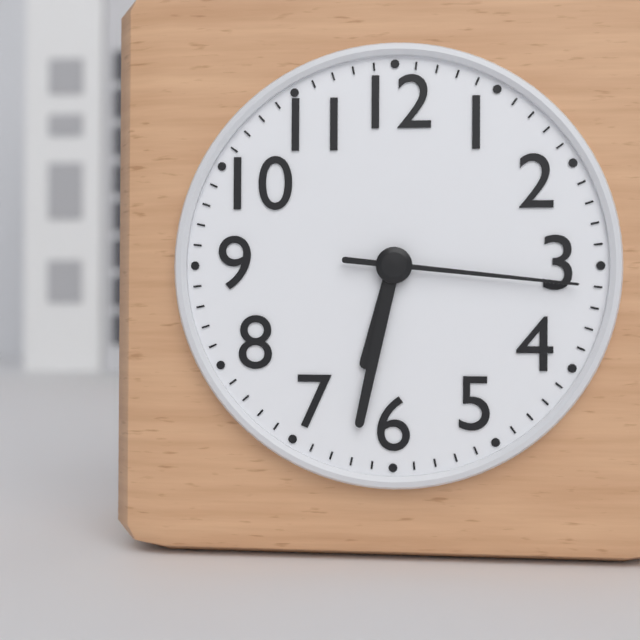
6:32:16
